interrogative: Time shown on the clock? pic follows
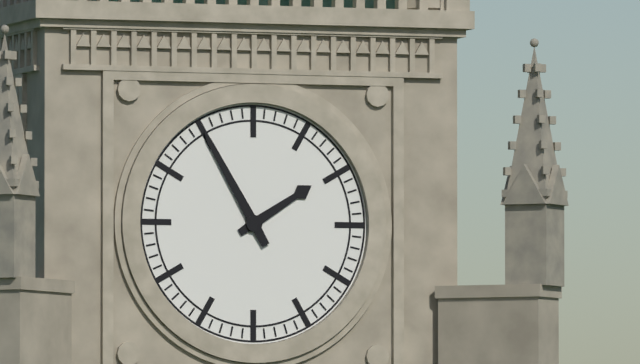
1:55
